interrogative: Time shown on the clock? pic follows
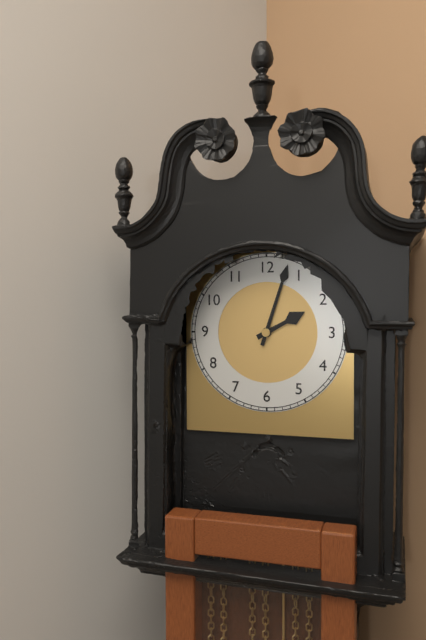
2:03
